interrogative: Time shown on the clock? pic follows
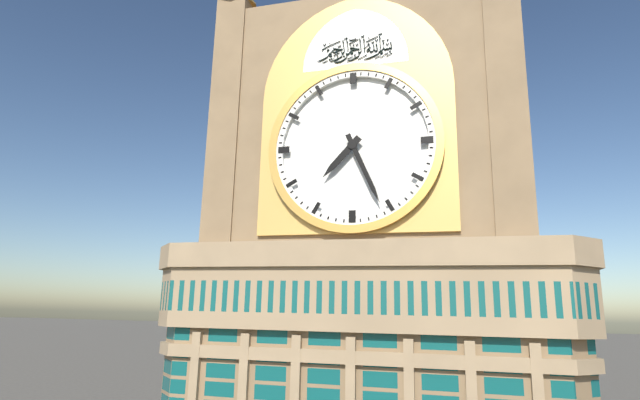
7:26
